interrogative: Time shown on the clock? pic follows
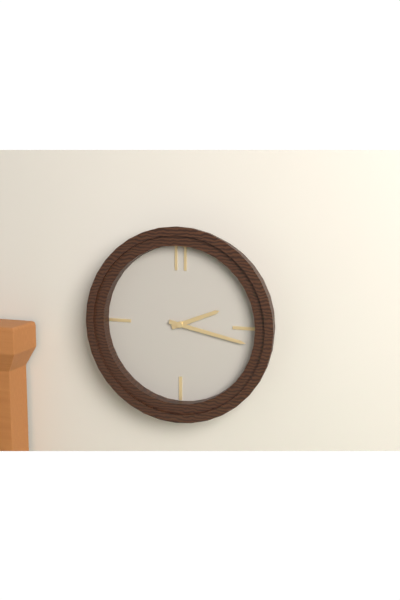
2:17
